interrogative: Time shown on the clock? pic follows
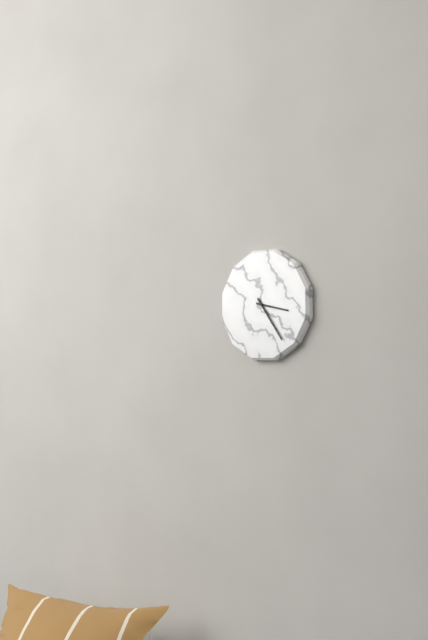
3:24
